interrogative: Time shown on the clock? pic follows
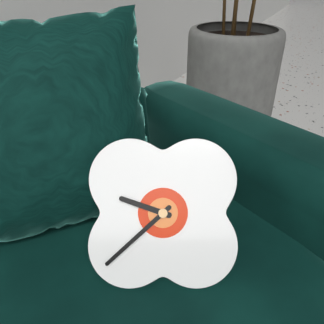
9:38
